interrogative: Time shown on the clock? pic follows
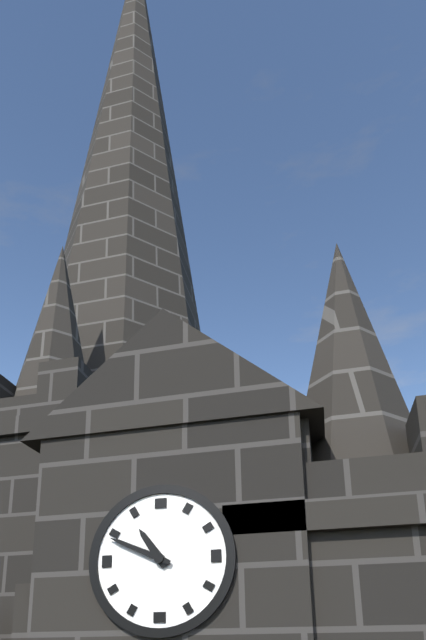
10:49
